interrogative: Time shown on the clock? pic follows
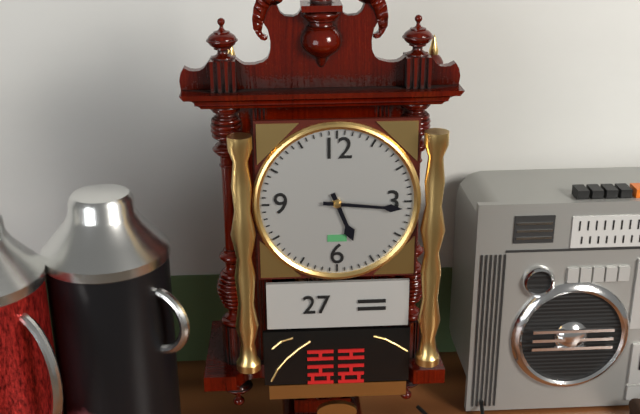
5:16
